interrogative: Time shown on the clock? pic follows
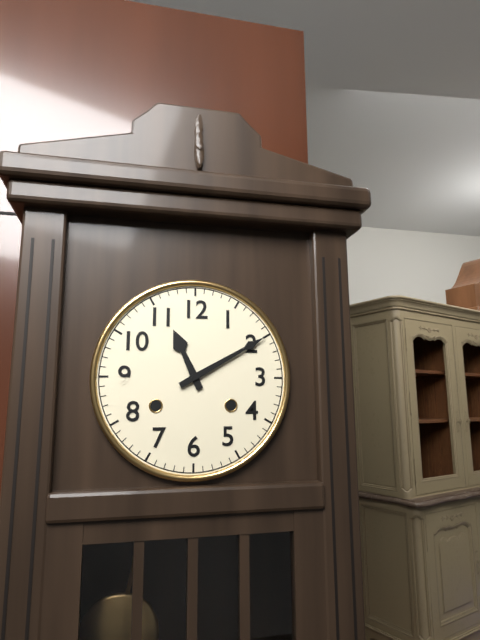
11:10
